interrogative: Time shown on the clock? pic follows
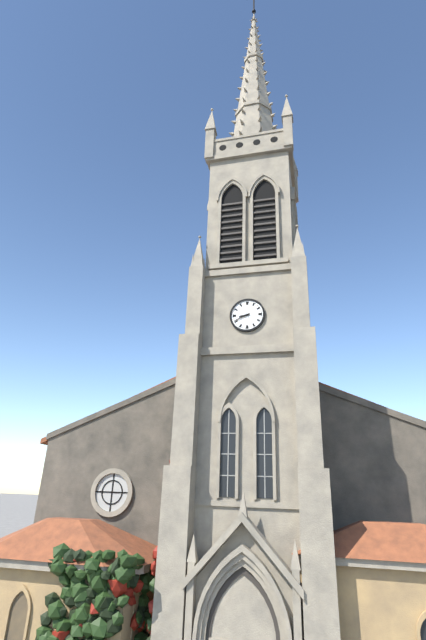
8:41
